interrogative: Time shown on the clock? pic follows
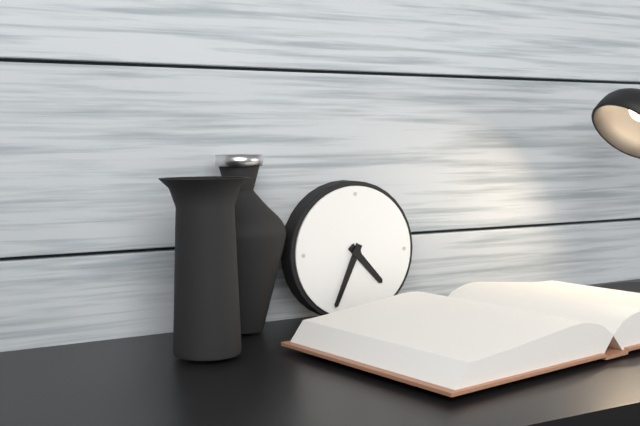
4:34
